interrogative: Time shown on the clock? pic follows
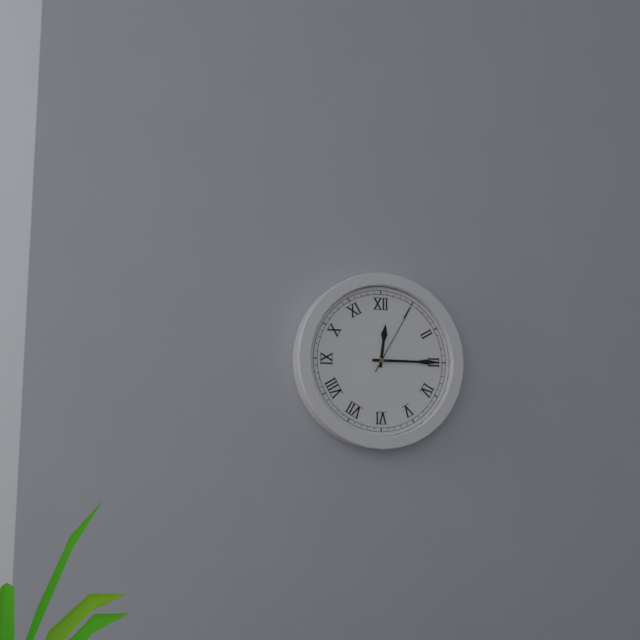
12:15:05
